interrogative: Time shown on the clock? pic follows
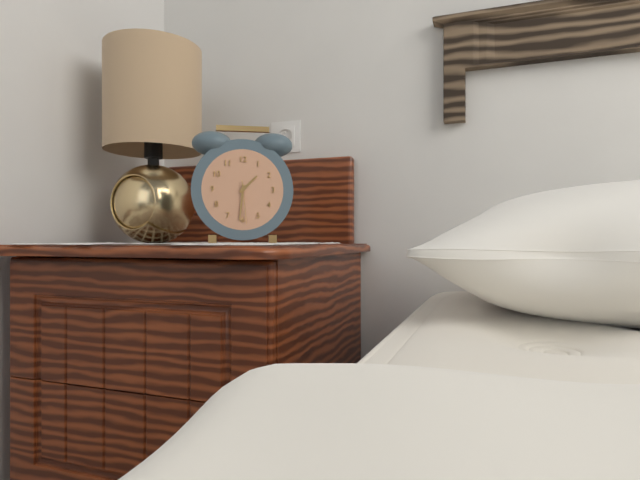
1:31
